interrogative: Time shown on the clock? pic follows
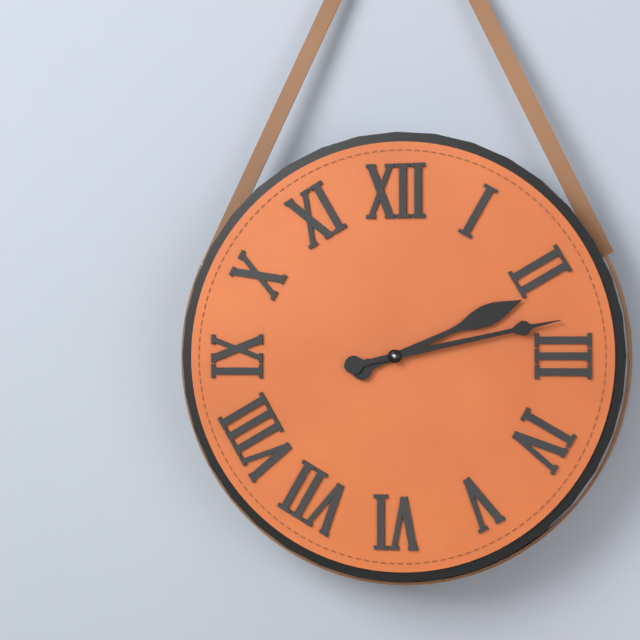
2:13
